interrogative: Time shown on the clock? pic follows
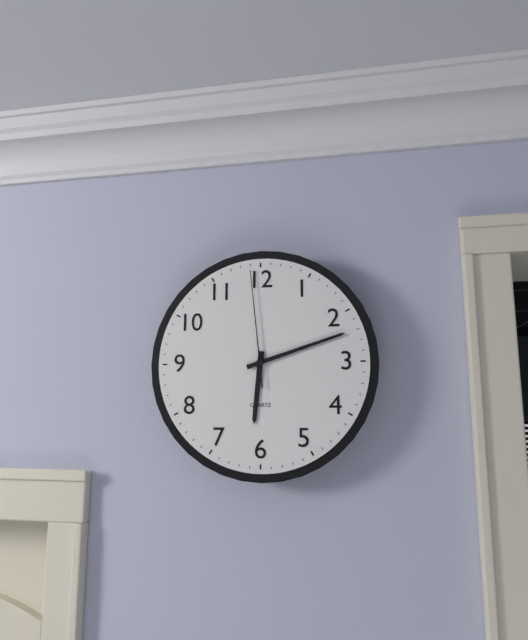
6:12:59
